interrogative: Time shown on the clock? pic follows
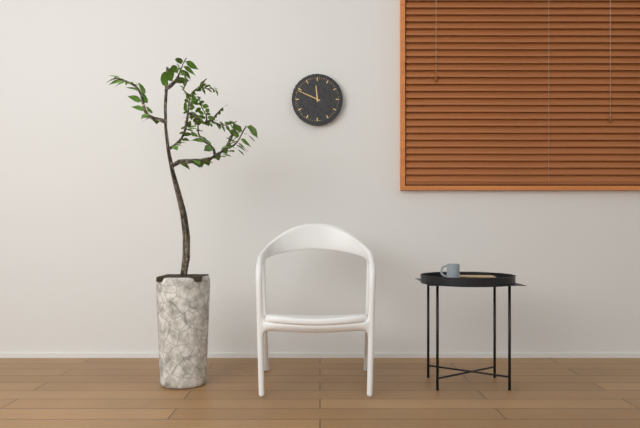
11:49
